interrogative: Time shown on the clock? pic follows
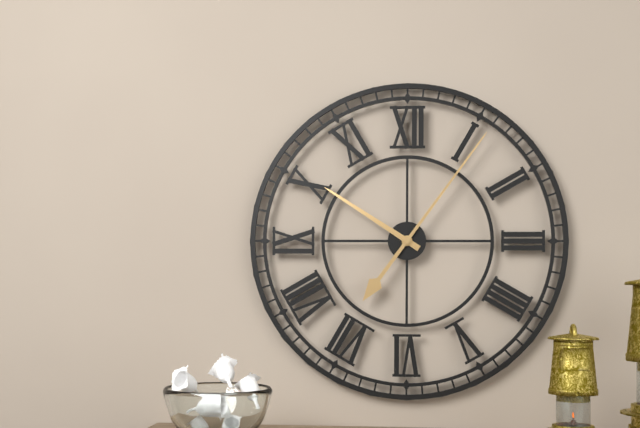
10:06
